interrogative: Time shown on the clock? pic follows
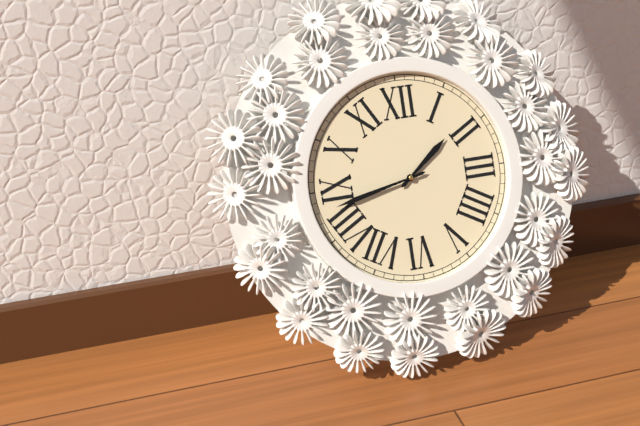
1:43
